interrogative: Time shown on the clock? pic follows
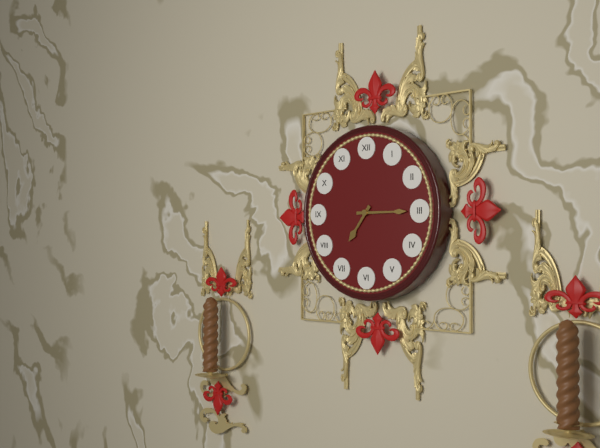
7:15
